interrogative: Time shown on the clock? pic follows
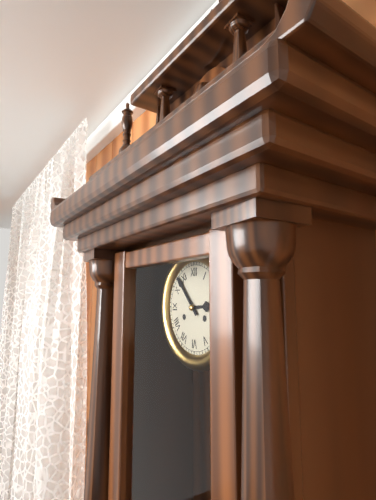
2:53
